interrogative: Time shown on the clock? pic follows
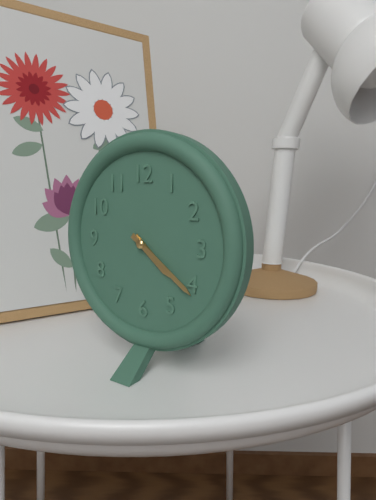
4:21
